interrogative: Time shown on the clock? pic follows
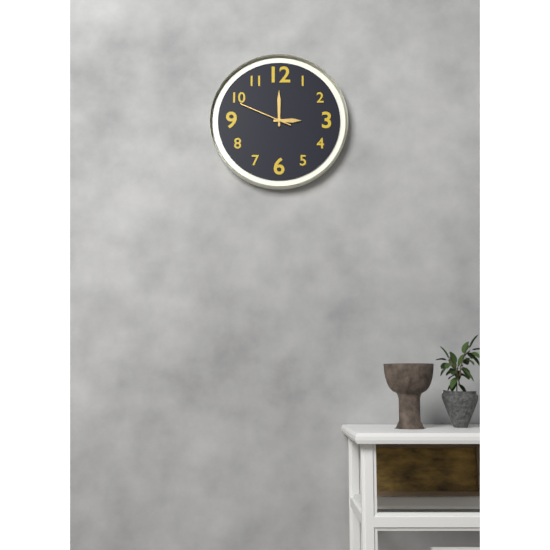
3:00:49
